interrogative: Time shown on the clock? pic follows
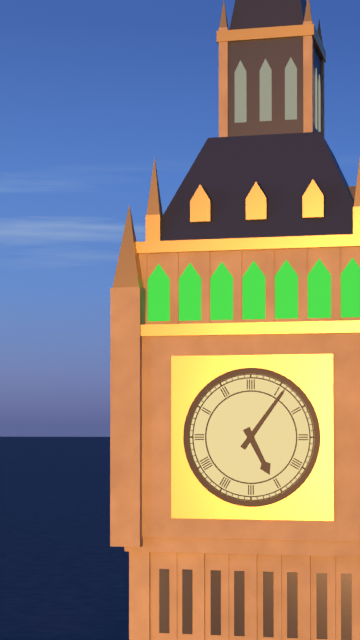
5:06
